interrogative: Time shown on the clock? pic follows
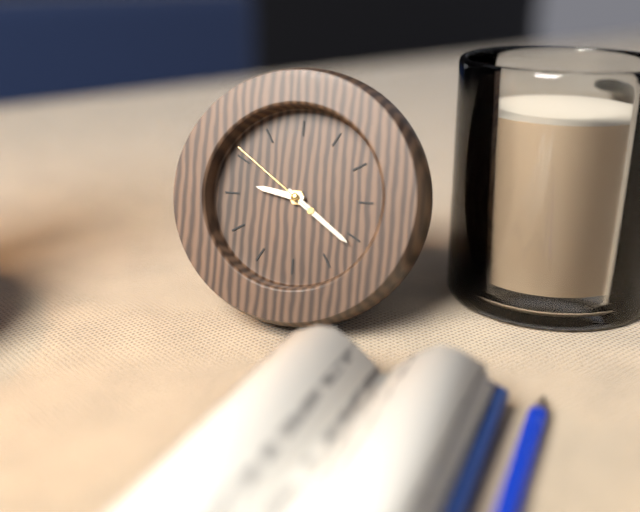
9:21:51
